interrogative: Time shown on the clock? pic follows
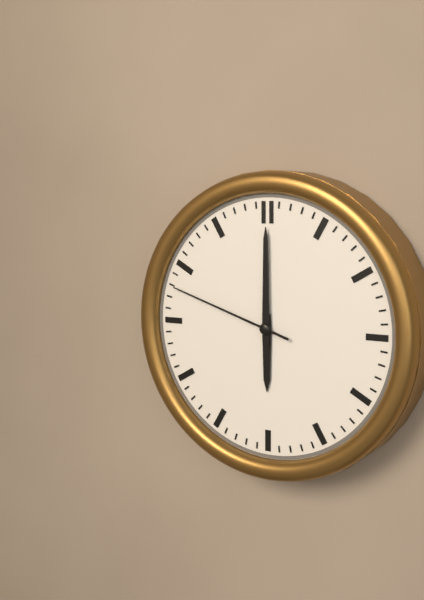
6:00:48
